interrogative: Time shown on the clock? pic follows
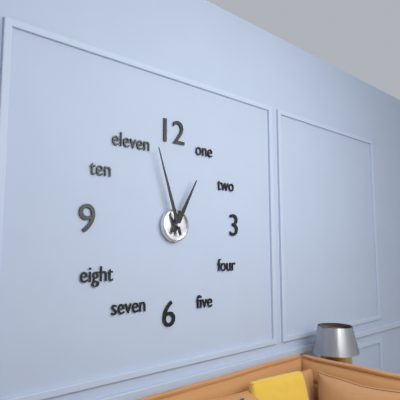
12:57
